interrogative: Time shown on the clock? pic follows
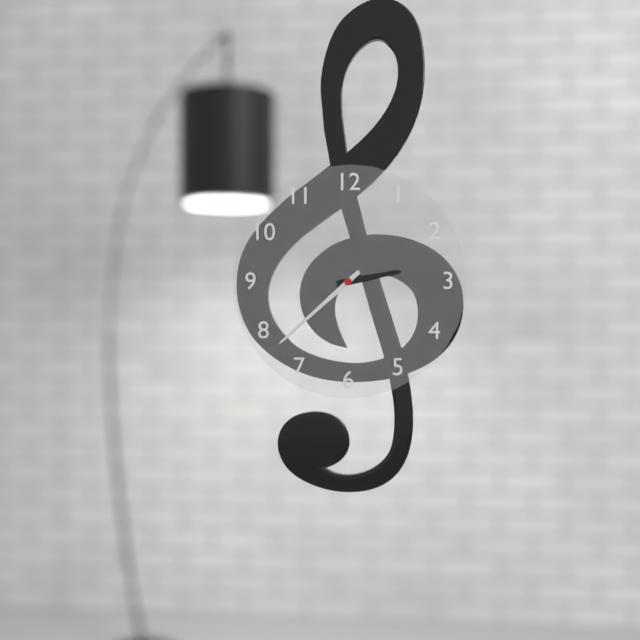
2:38
